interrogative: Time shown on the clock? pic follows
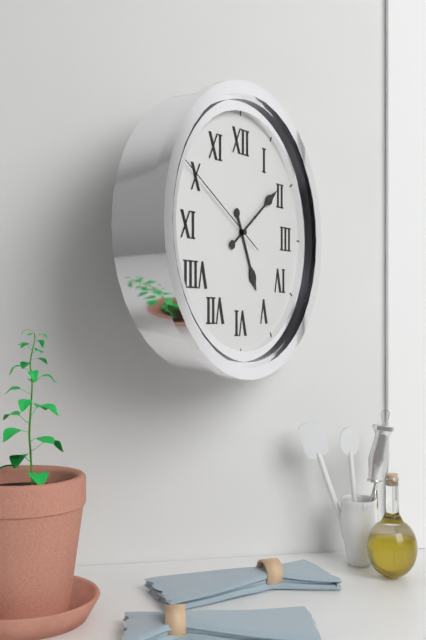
5:09:50
